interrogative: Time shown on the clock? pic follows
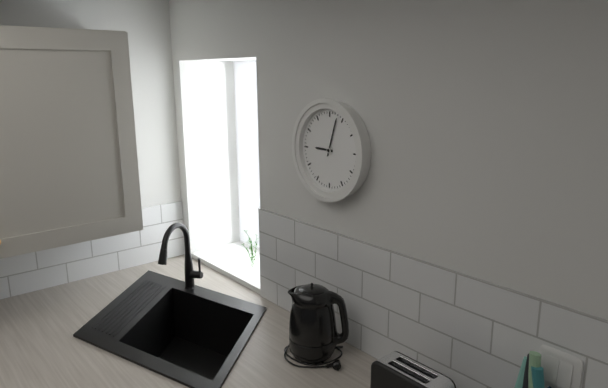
9:03
